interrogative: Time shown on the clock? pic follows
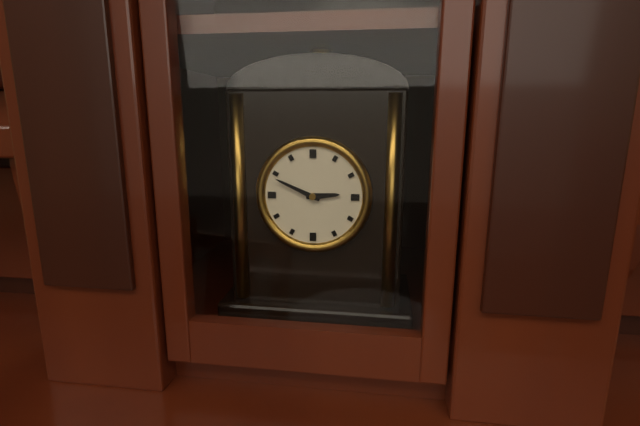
2:49
